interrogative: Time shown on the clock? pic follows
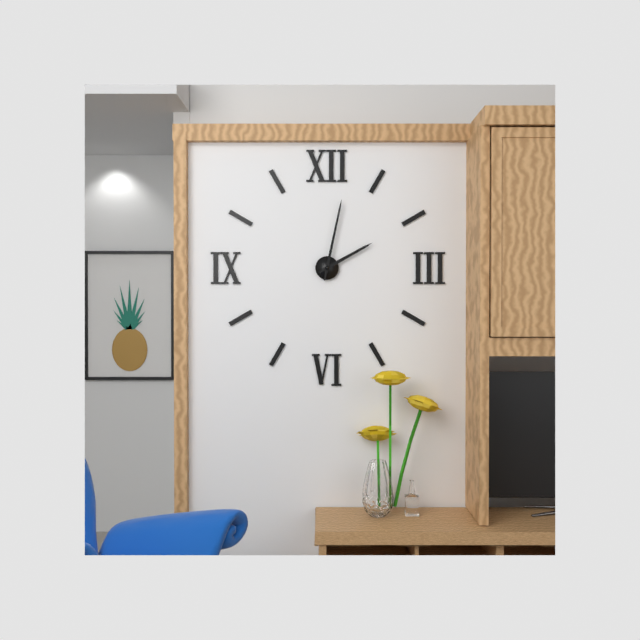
2:02
